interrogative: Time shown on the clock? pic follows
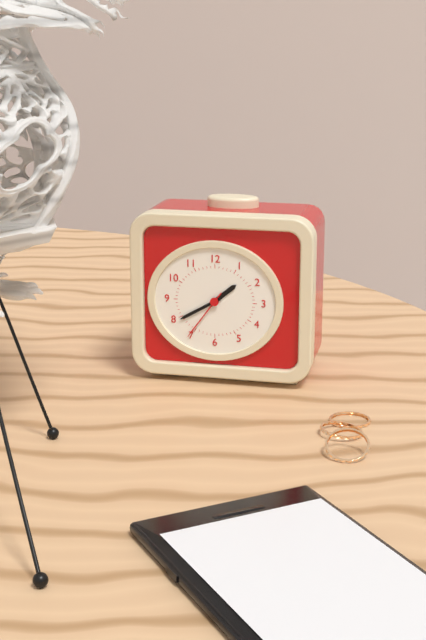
1:40:36
